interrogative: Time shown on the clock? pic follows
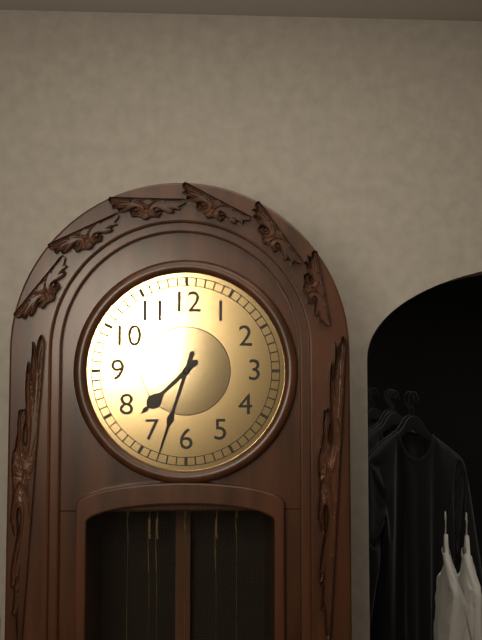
7:33
